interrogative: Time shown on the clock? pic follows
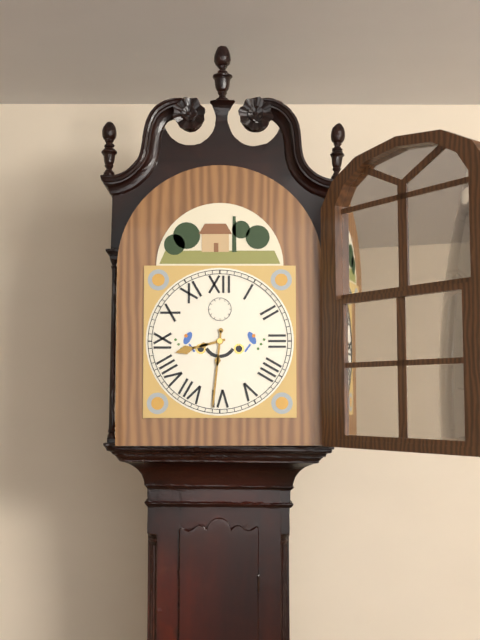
8:31
